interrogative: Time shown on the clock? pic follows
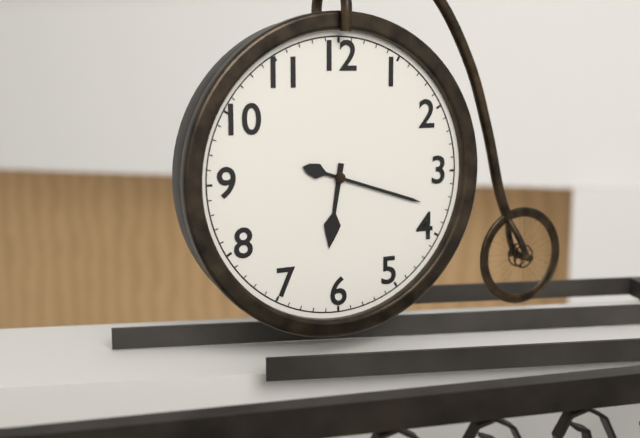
6:18
